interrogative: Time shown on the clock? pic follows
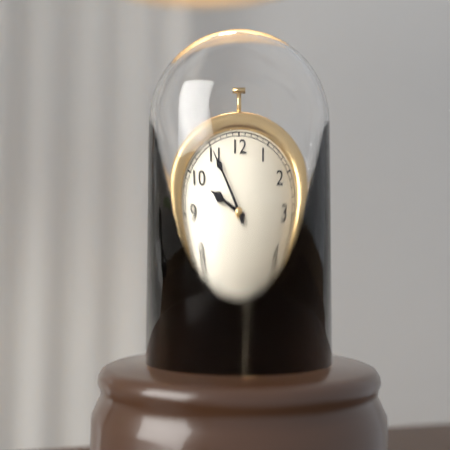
9:55
